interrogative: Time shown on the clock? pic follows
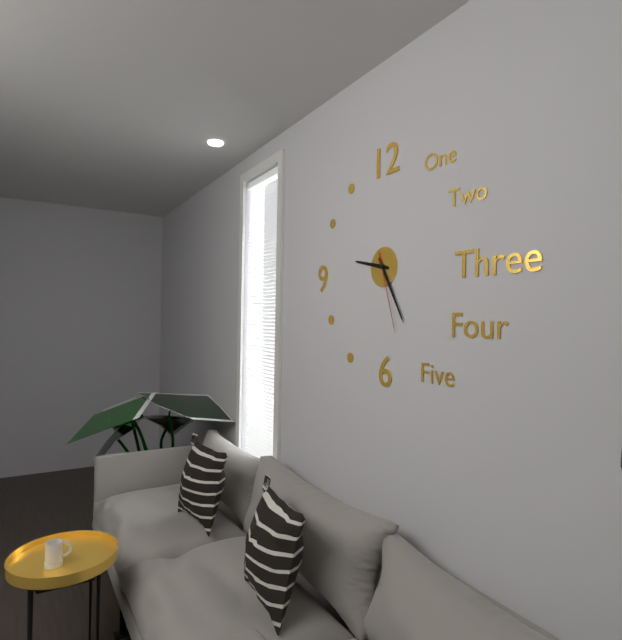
9:25:27
